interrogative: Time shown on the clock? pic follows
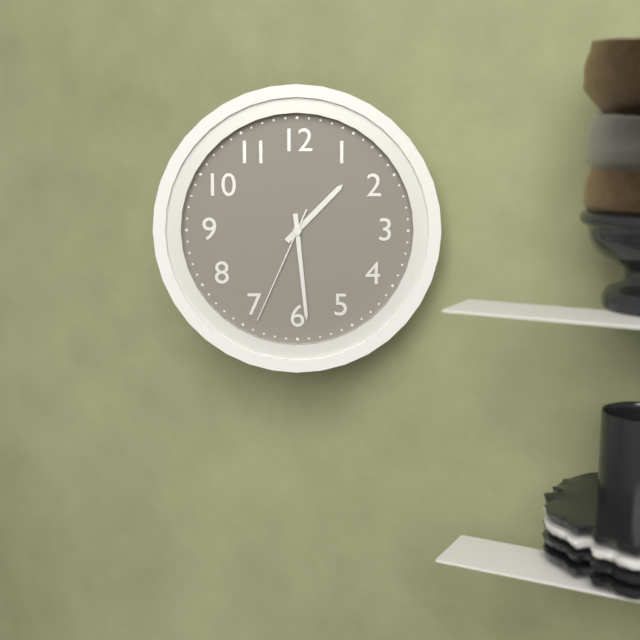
1:29:34
